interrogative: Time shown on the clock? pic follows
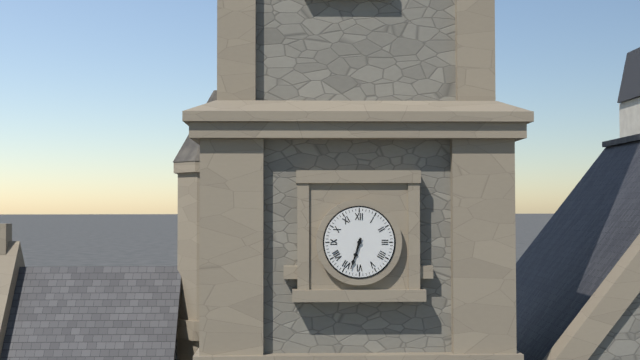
6:33
